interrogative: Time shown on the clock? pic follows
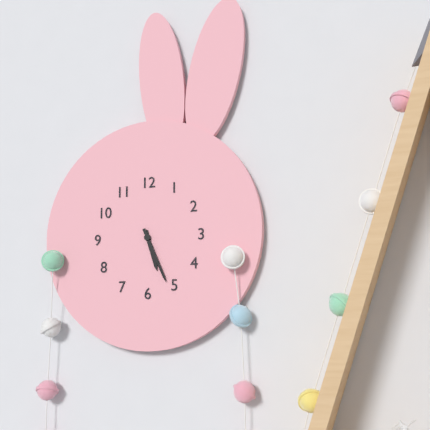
5:26
